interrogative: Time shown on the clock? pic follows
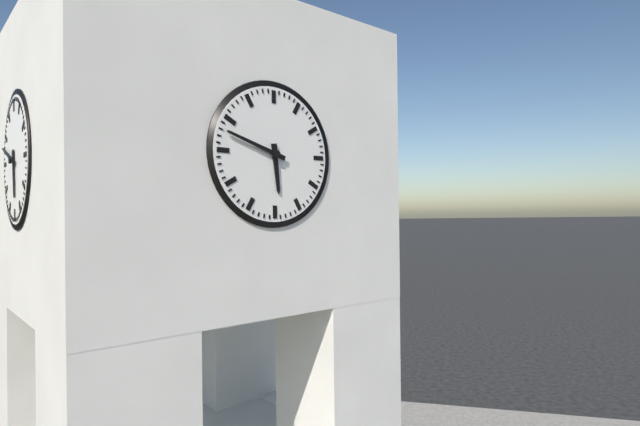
5:48
